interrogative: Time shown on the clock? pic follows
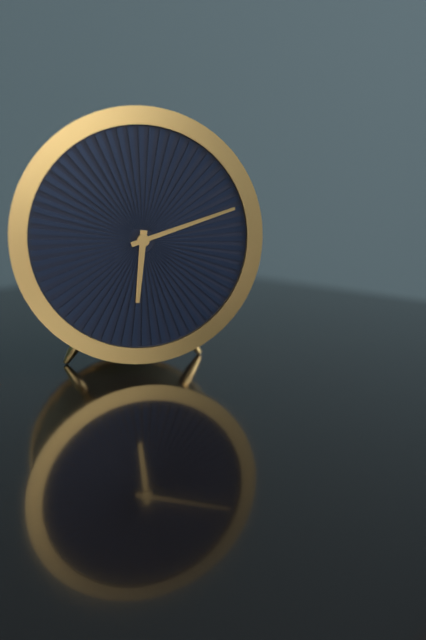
6:12
